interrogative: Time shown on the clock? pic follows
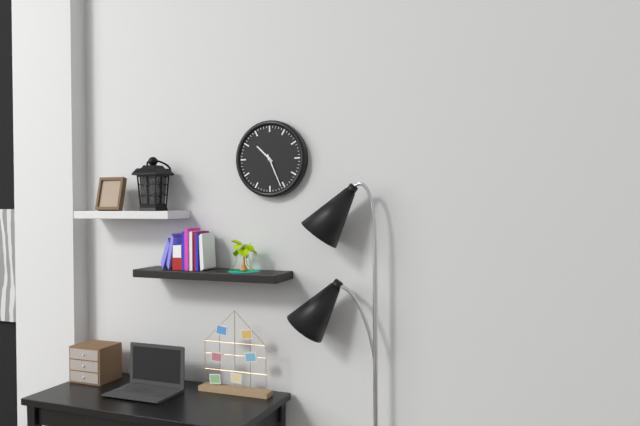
10:26
